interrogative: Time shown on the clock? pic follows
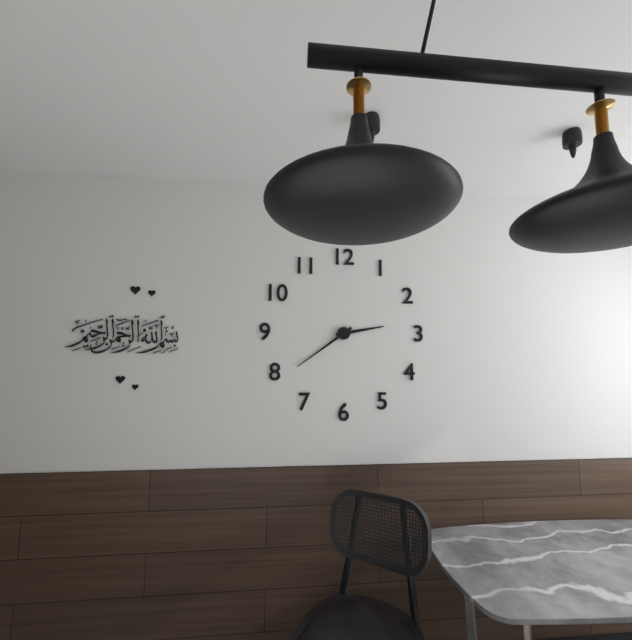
2:39
